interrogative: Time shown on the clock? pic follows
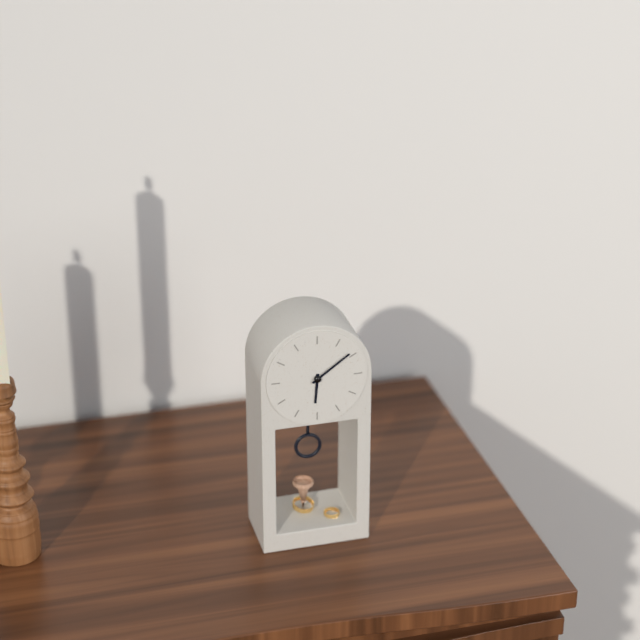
6:09
